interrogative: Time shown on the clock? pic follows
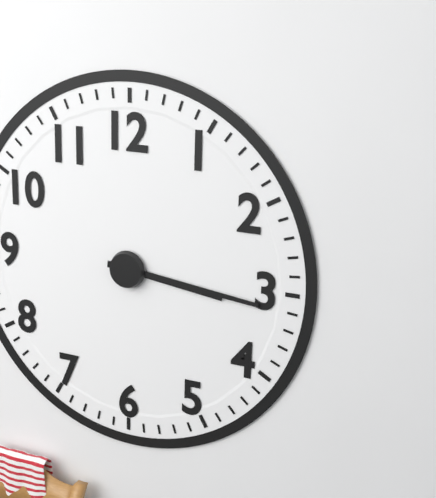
3:16
